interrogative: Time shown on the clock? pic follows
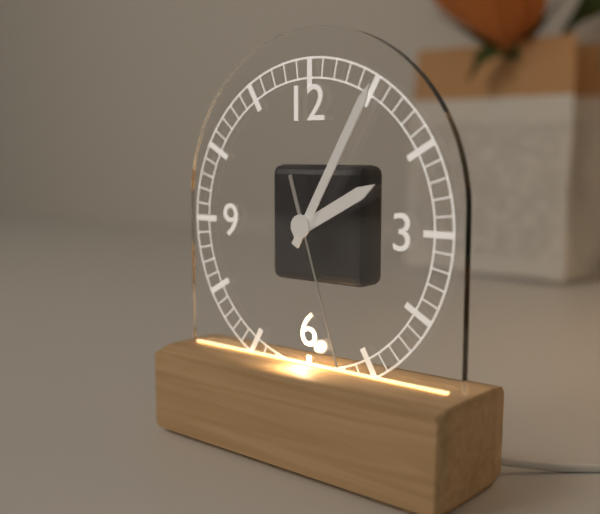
2:05:27
